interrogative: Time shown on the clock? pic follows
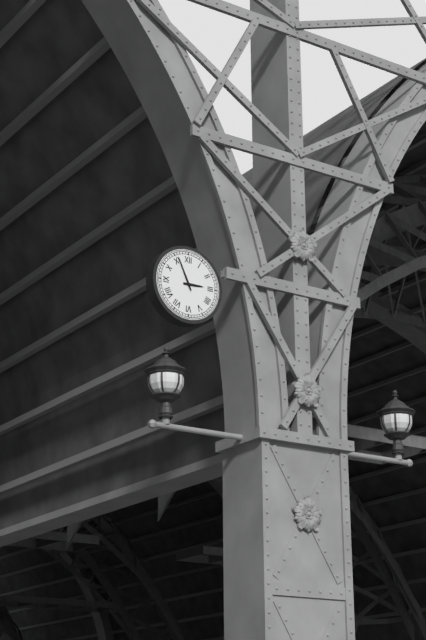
2:56
